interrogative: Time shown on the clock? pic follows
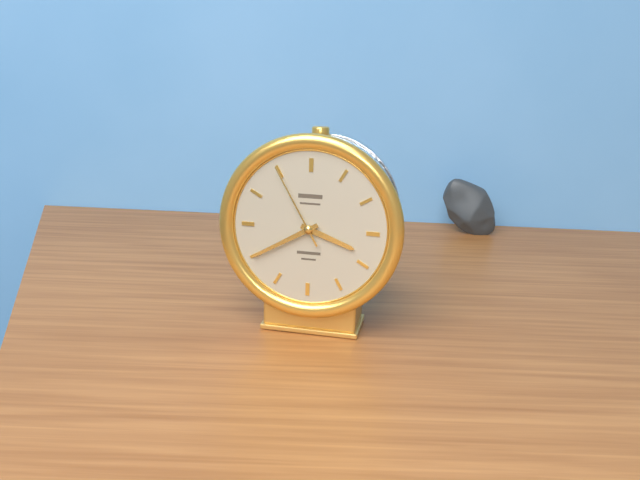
3:40:55
